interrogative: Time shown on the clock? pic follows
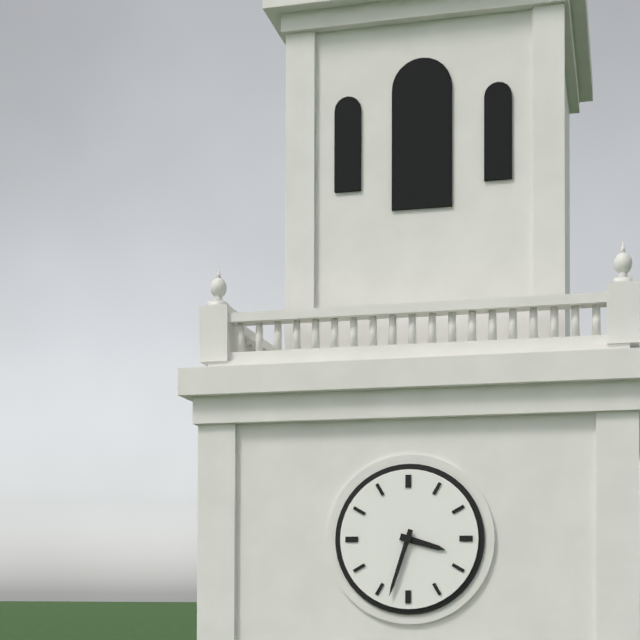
3:33
